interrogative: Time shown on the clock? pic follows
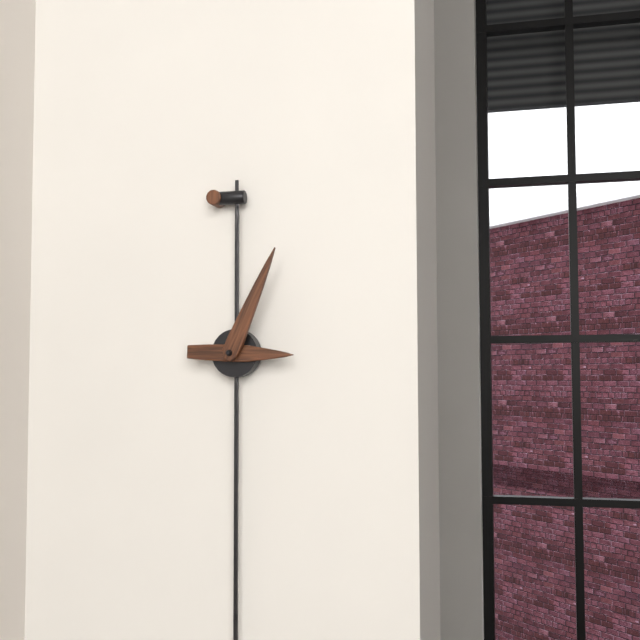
3:04
